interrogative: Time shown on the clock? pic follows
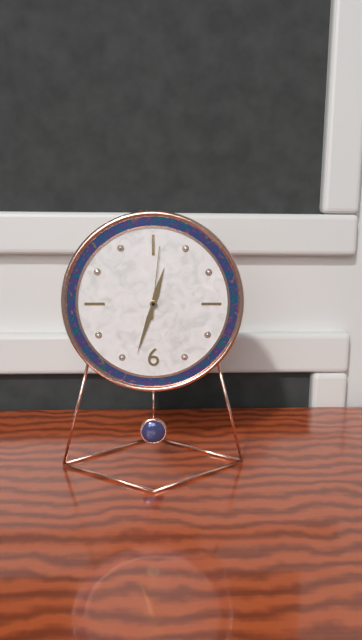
12:33:01
